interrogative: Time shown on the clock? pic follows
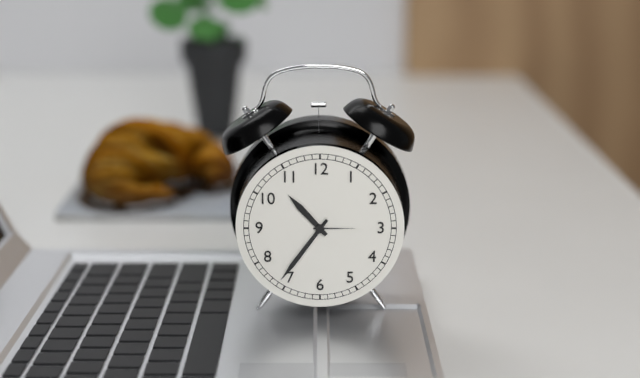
10:36
